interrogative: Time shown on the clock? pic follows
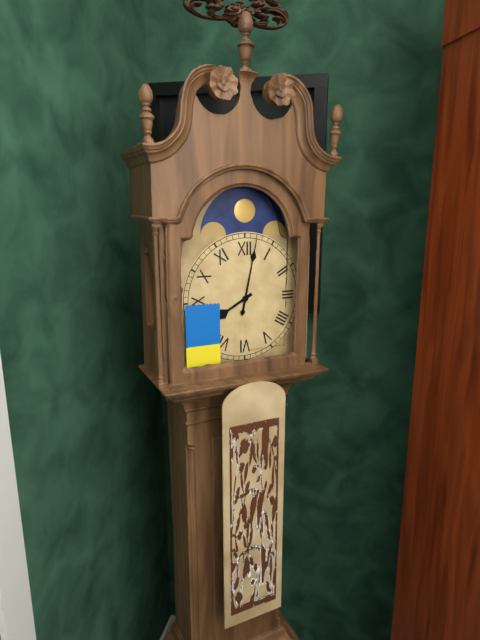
8:02
